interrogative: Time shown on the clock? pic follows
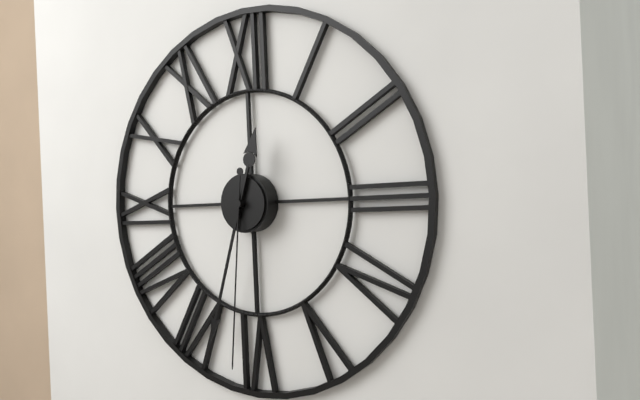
12:33:31
